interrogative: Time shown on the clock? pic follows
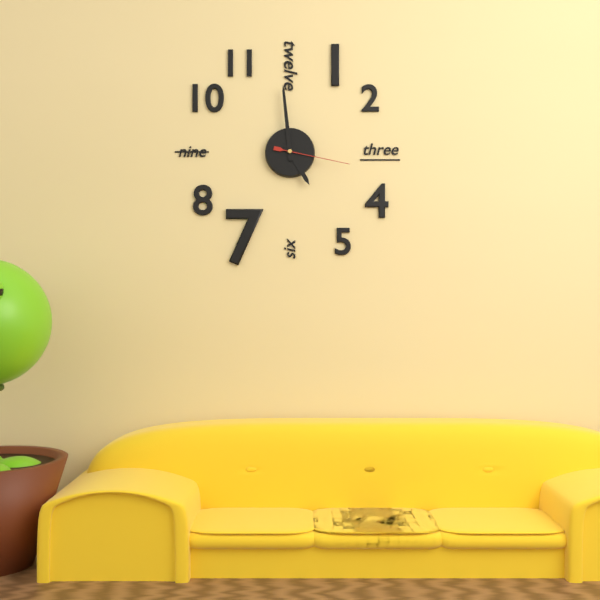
4:59:17
